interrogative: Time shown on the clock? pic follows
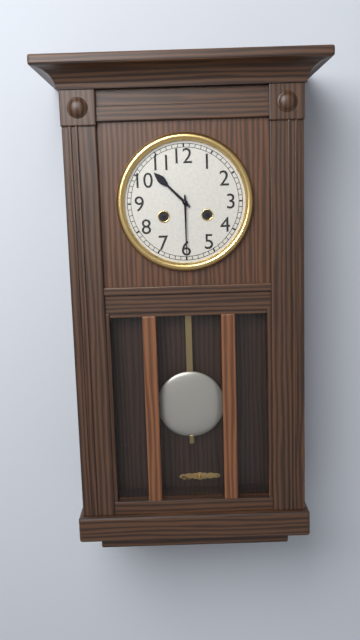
10:30
